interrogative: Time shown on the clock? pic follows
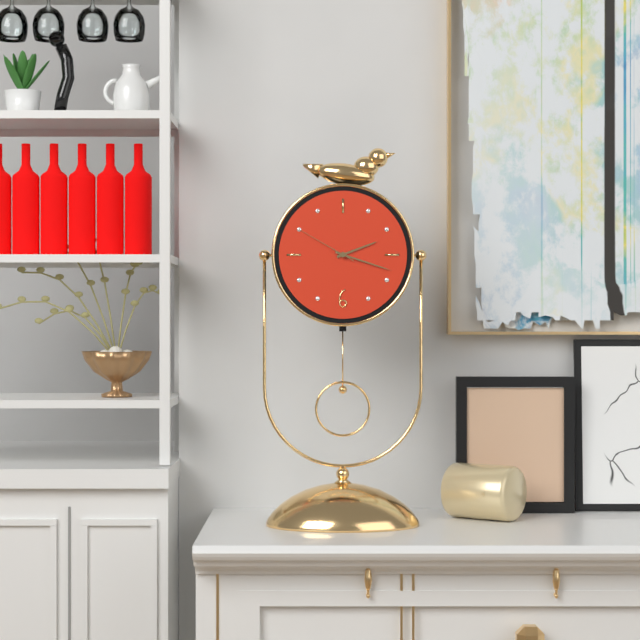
2:18:50
